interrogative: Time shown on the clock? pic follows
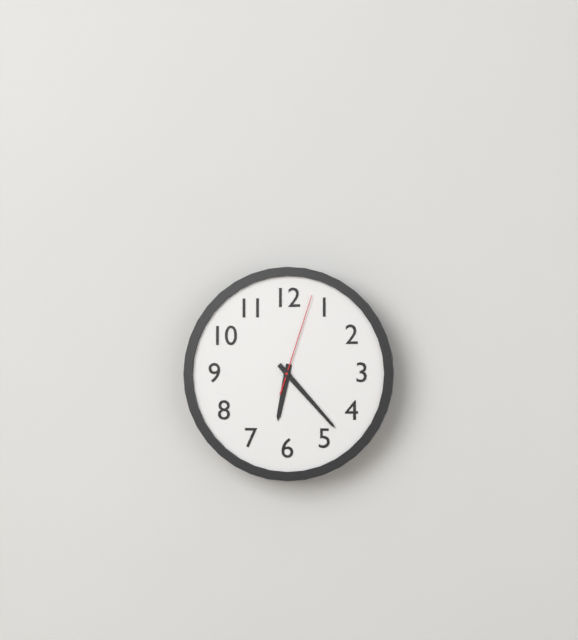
6:23:03
